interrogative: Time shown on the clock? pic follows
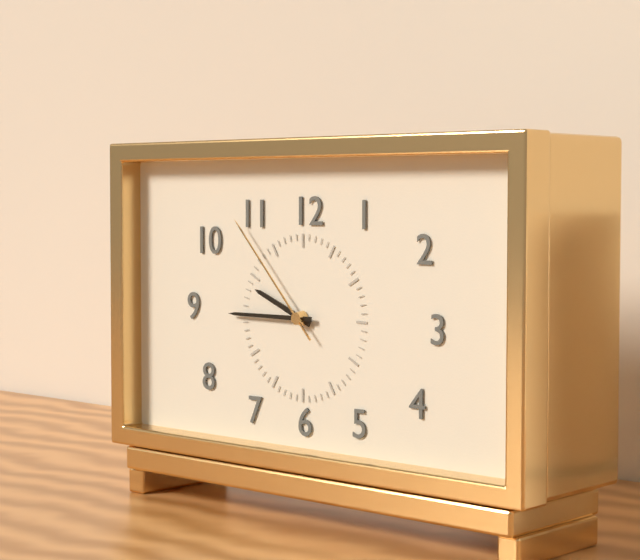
9:45:53
